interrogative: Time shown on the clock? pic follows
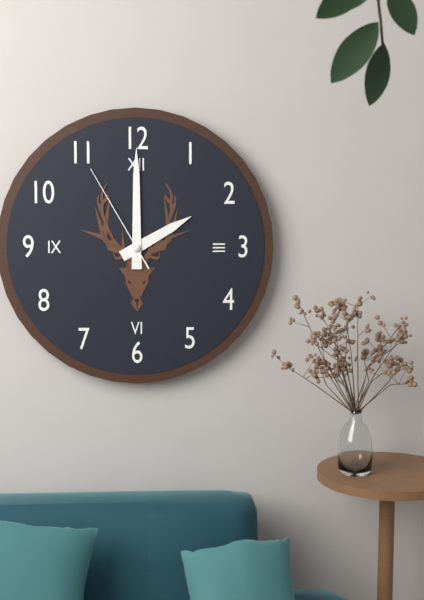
2:00:55
